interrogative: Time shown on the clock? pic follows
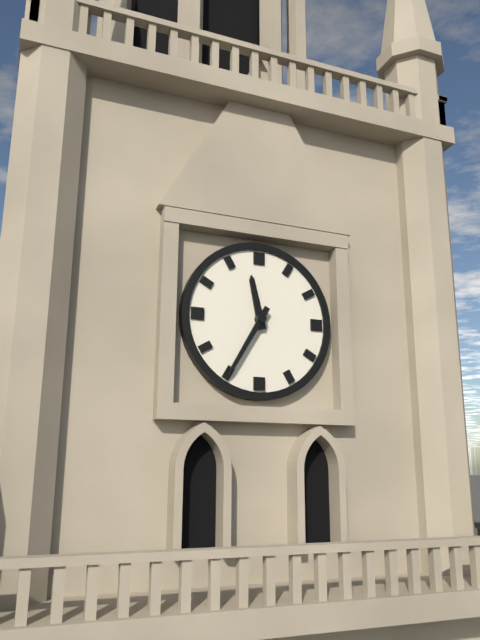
11:35
